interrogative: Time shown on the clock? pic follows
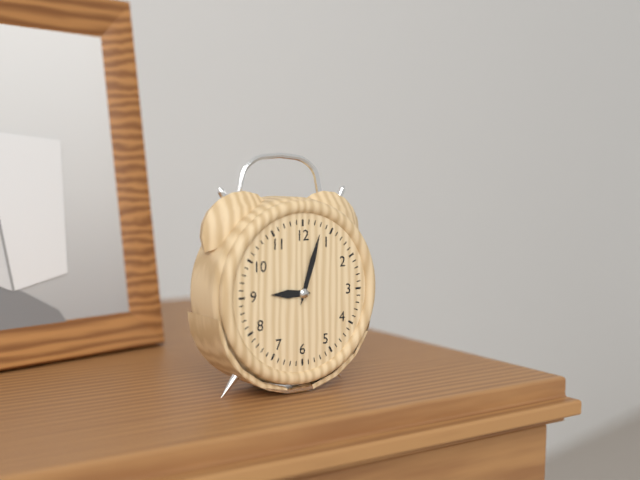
9:03
